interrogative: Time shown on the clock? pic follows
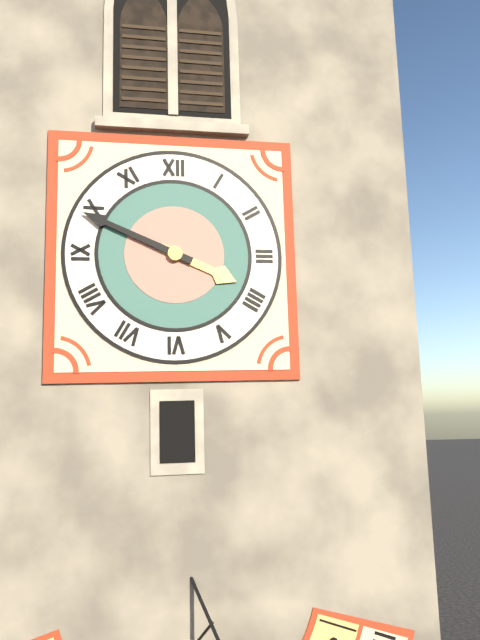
3:49
